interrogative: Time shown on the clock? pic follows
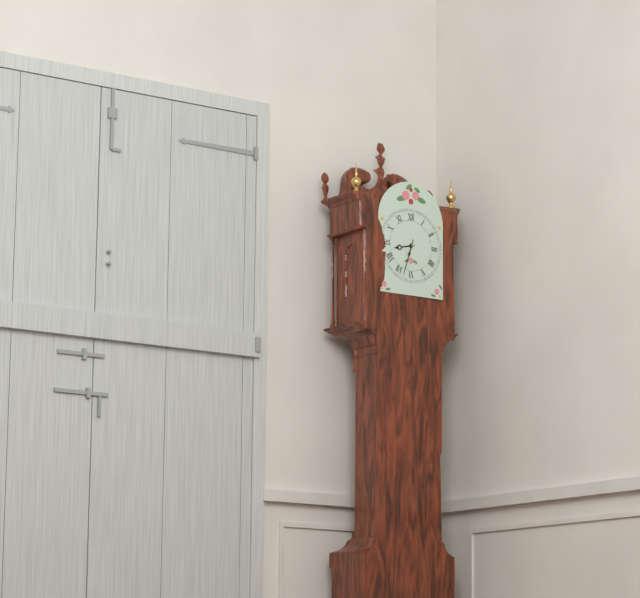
8:33
